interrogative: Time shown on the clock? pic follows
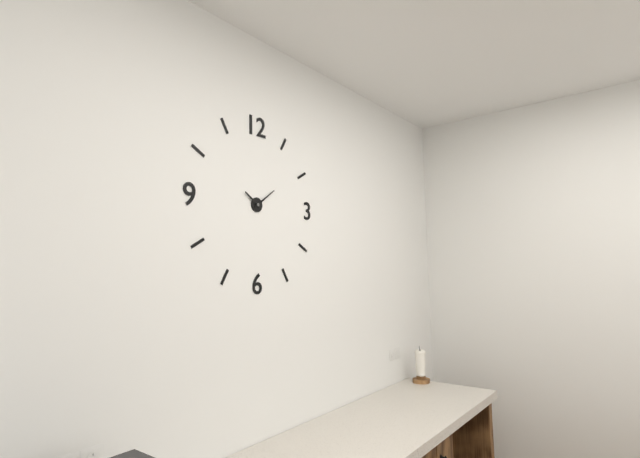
10:09
